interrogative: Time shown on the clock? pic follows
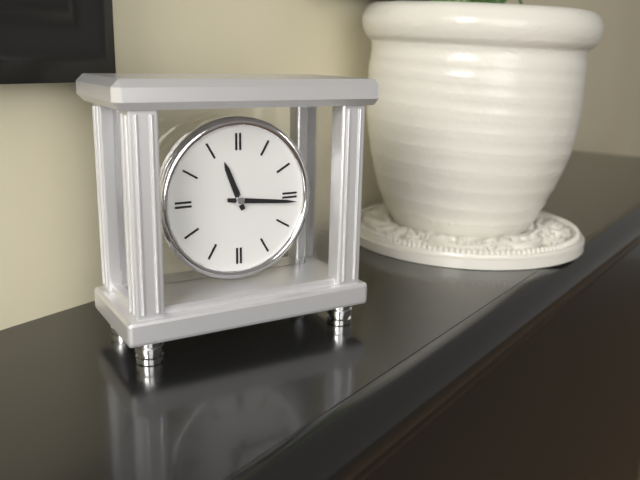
11:16
